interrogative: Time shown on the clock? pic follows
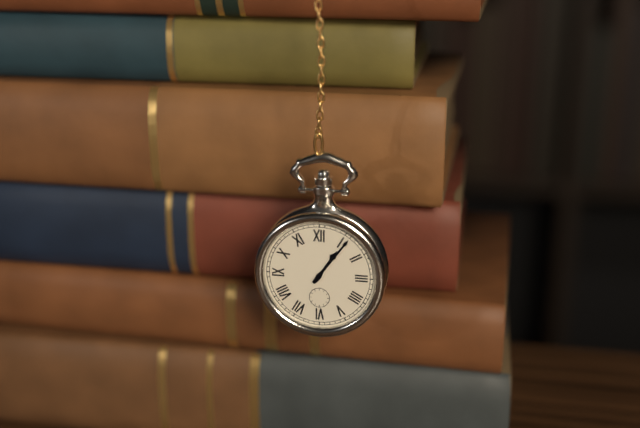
1:06
